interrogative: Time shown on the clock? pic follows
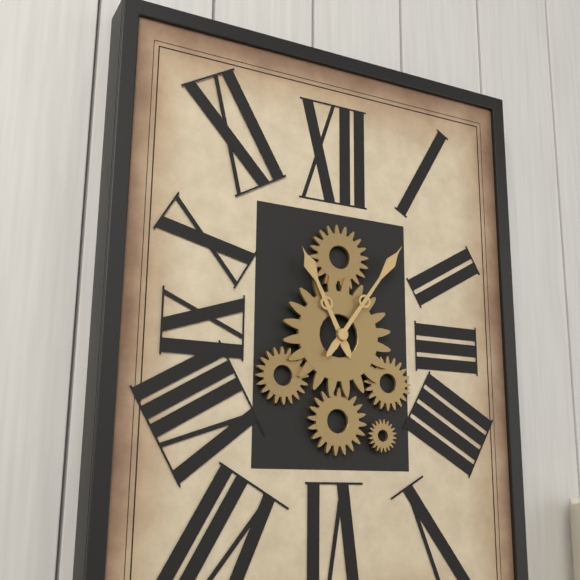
11:06
